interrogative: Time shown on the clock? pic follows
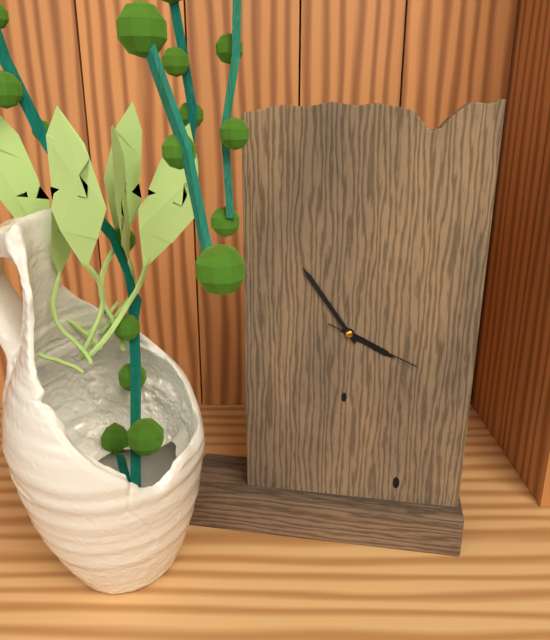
3:54:19
